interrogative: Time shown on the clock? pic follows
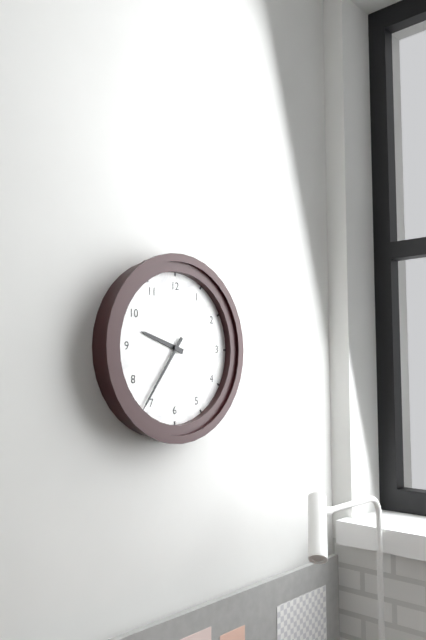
9:36
